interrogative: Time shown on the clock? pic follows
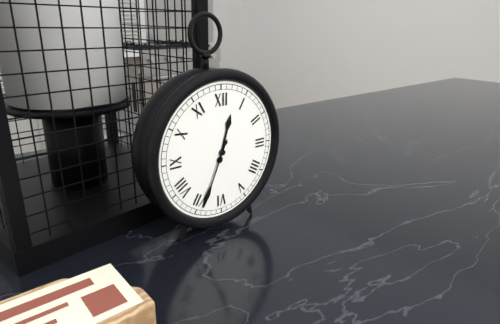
12:34
